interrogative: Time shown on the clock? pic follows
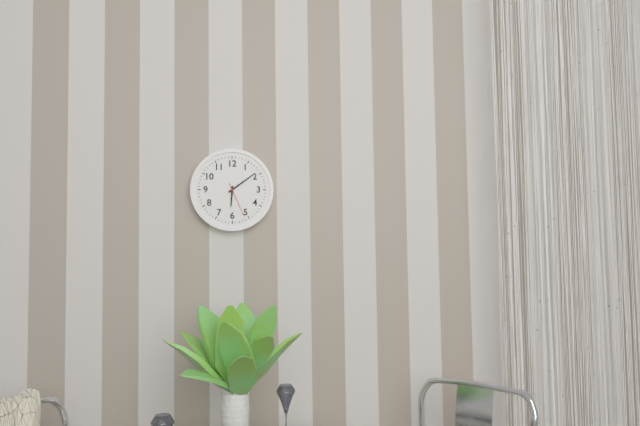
6:09
